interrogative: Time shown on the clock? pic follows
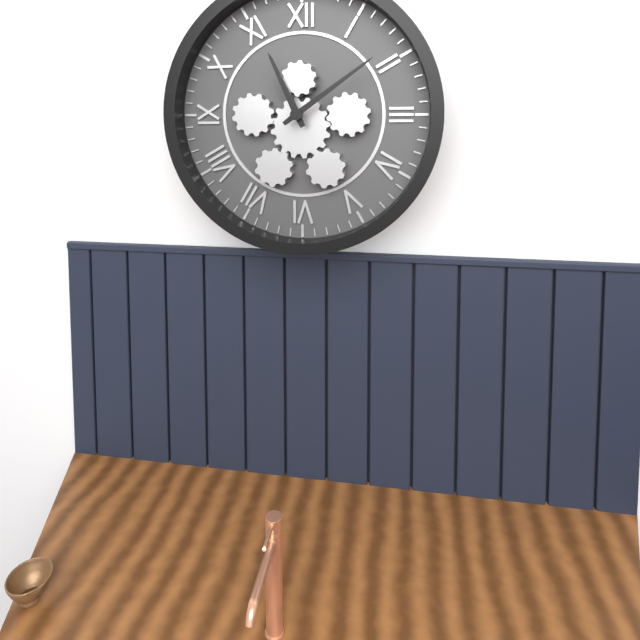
11:09
